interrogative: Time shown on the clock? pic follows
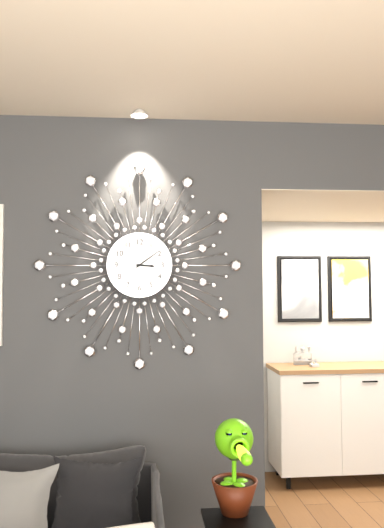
3:09
